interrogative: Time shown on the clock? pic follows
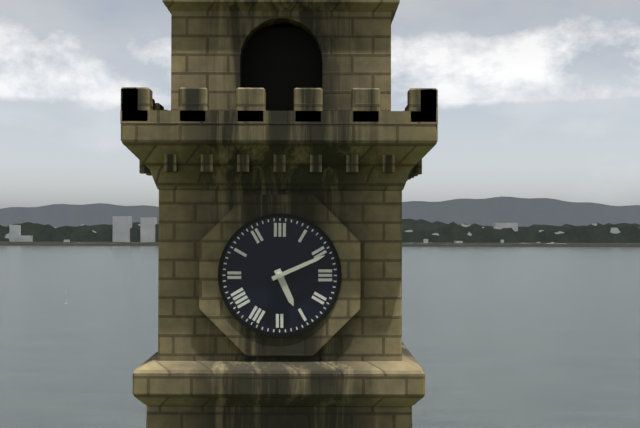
5:11
